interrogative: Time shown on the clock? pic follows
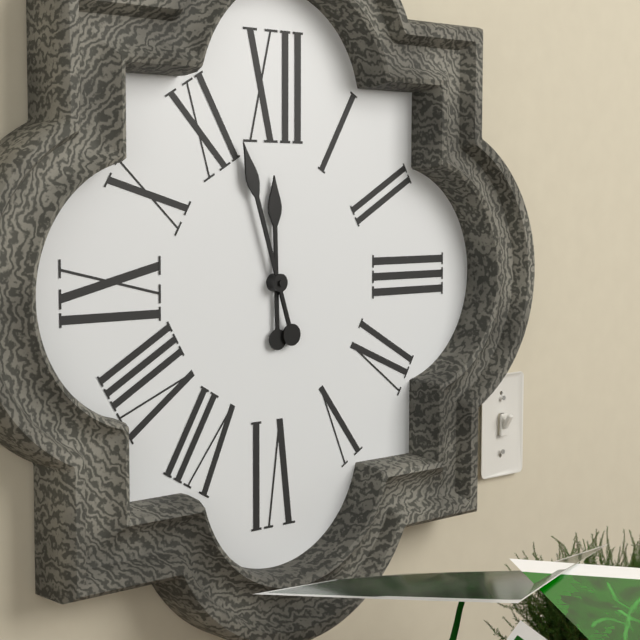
11:57
